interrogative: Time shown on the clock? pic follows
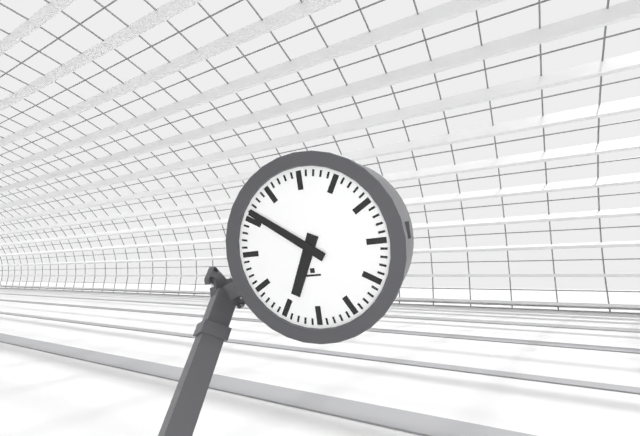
6:51
